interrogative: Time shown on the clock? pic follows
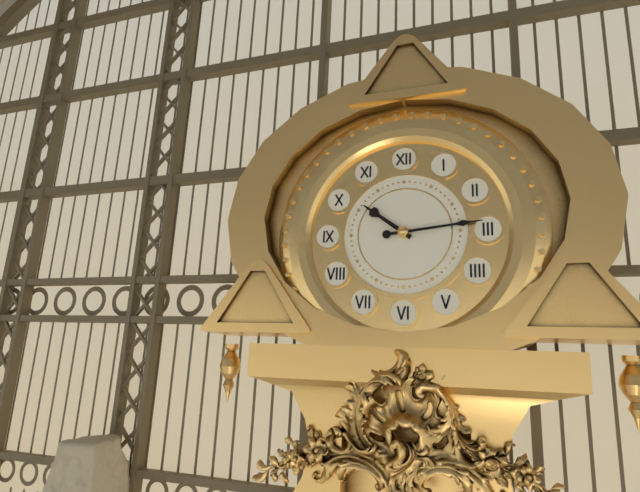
10:14
